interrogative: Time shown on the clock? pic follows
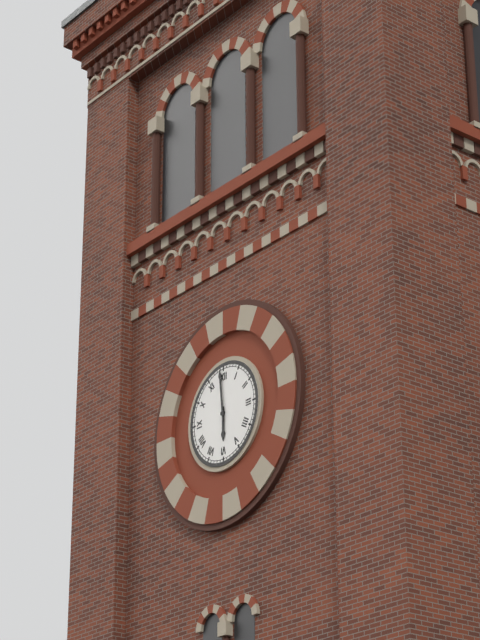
5:59
